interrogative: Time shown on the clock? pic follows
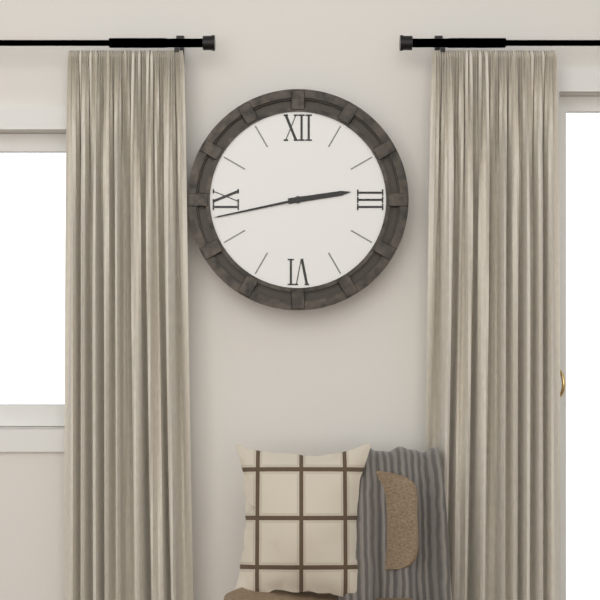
2:43
